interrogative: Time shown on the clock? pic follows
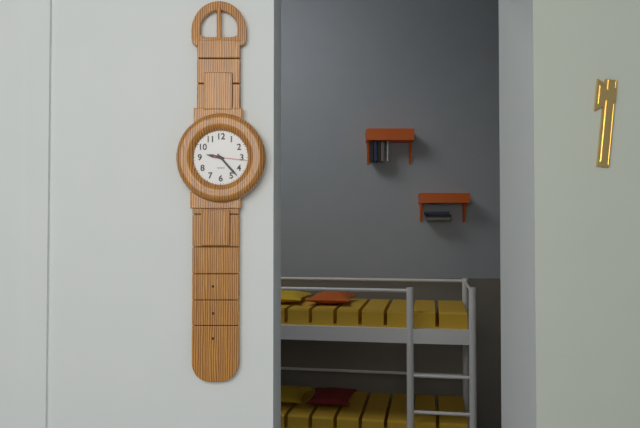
9:23
